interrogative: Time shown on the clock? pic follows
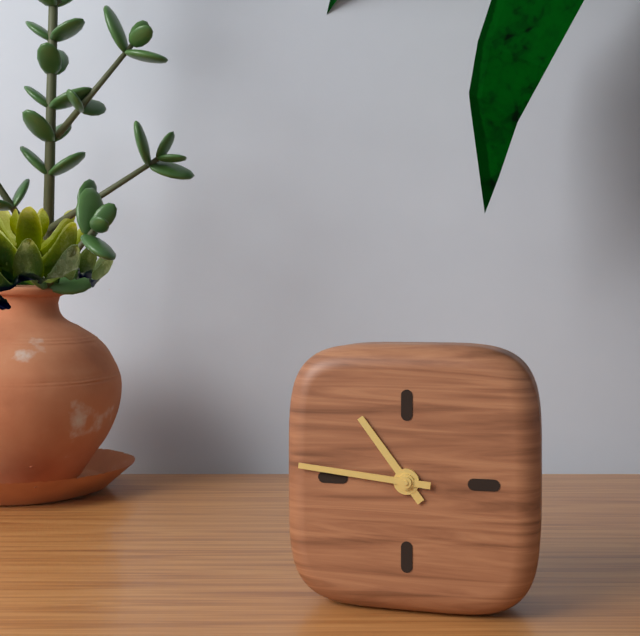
10:46
